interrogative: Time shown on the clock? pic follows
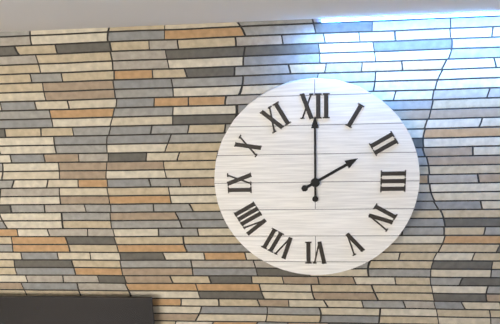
2:00
